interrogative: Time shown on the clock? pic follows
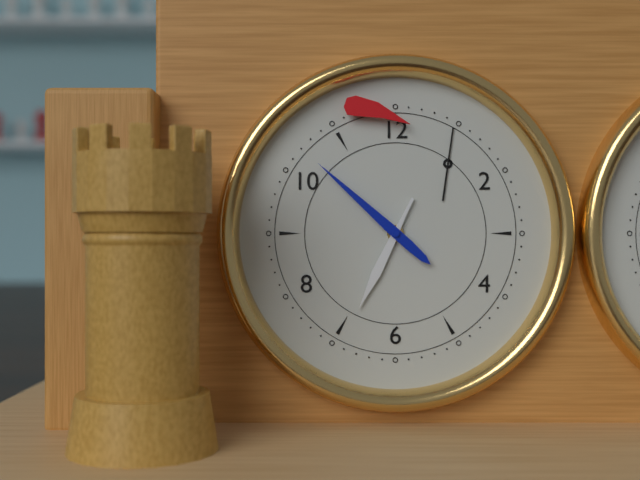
6:52
